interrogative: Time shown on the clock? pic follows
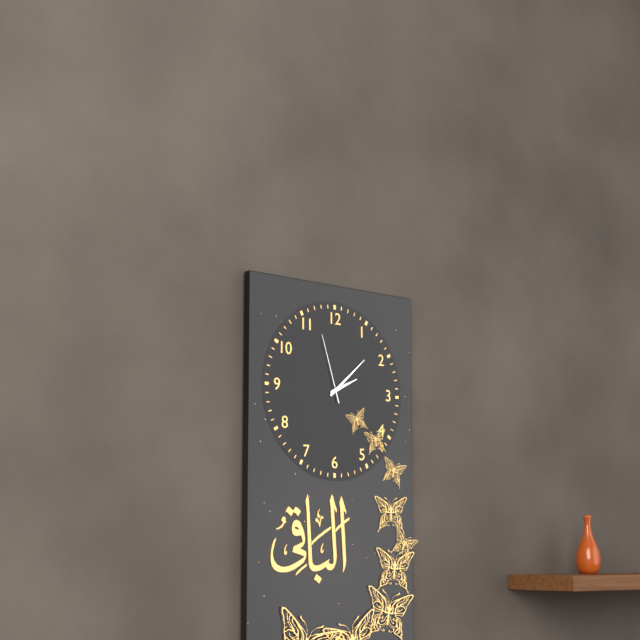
2:08:57
